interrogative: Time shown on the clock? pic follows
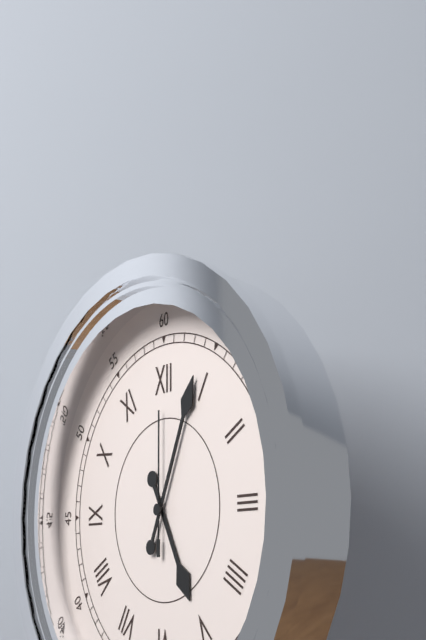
5:04:00
